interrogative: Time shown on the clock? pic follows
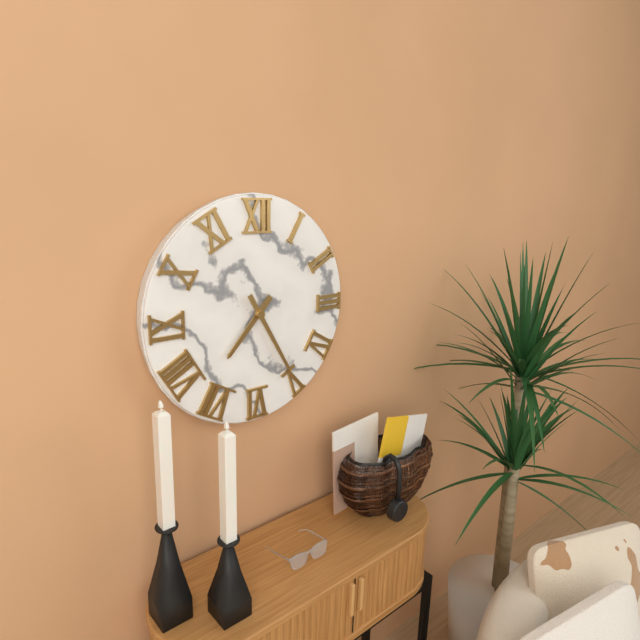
7:25
